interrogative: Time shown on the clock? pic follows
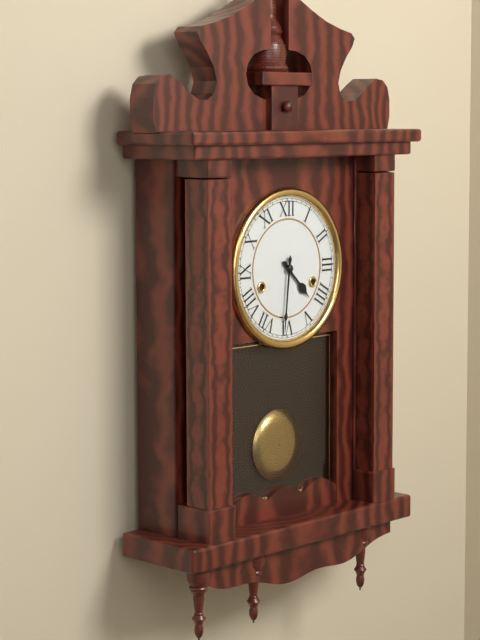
4:31
